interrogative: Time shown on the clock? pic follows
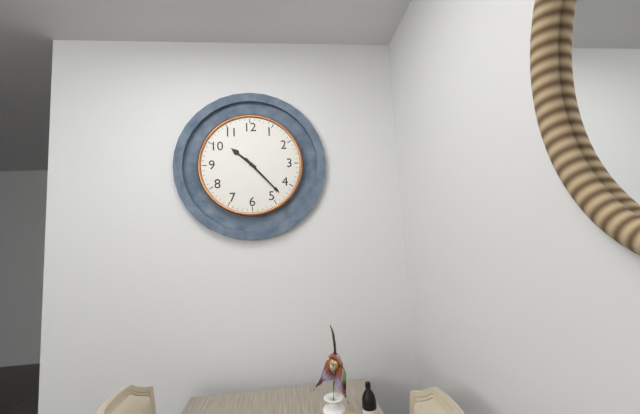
10:23
